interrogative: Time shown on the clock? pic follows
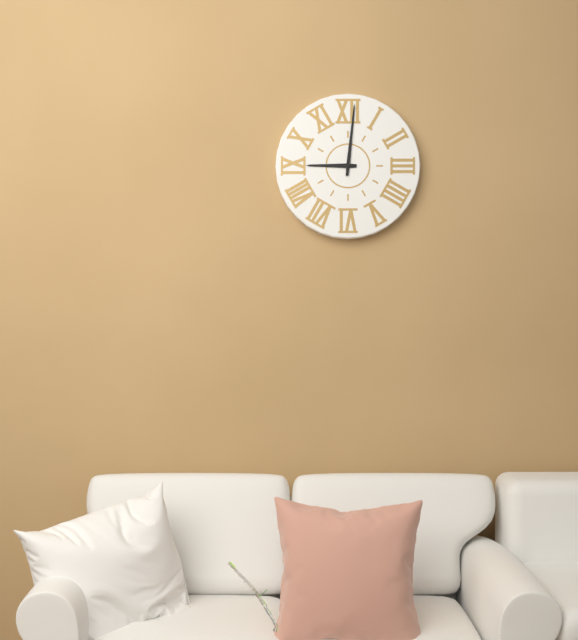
9:01
